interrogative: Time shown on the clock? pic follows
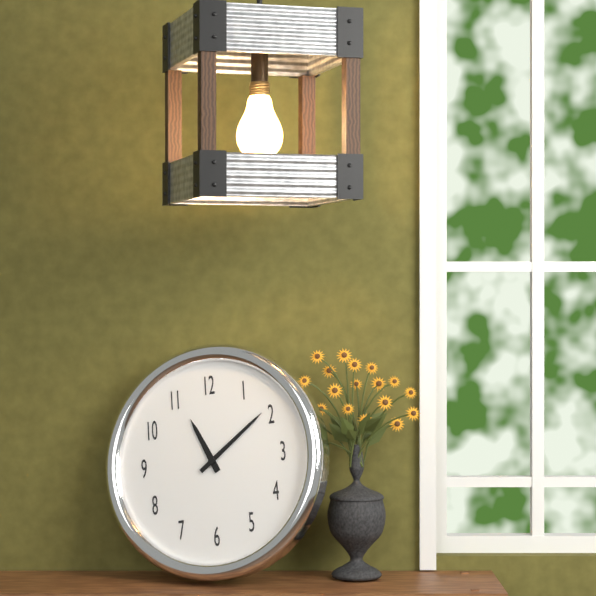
11:09
